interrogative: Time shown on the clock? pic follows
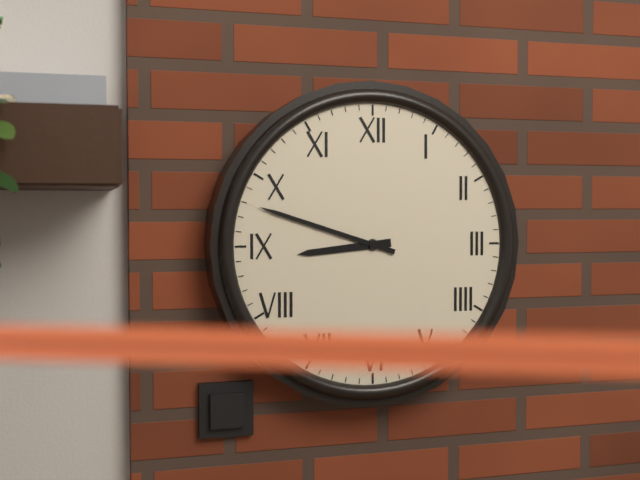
8:48
